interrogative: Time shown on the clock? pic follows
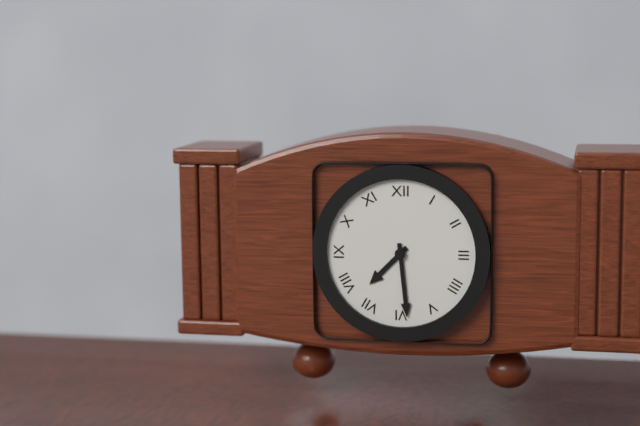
7:29
